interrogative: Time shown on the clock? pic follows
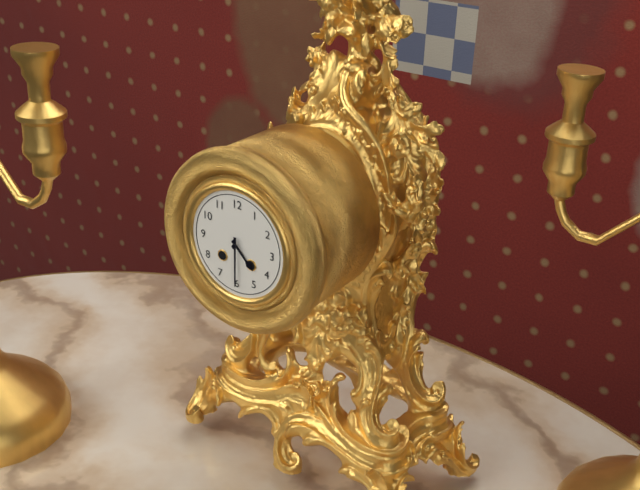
4:30
